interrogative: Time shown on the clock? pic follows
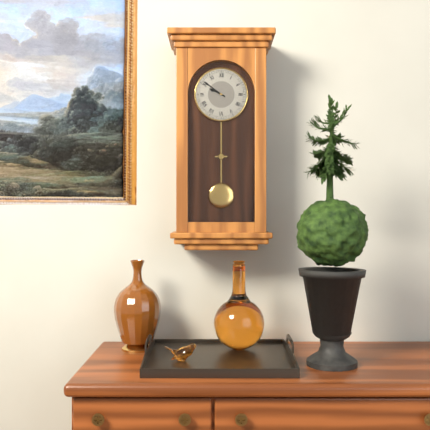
9:51
